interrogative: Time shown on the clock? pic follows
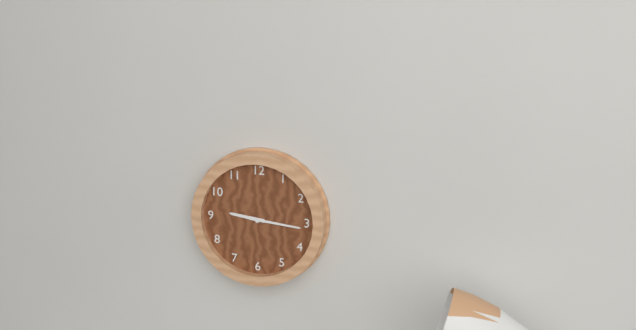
9:16
